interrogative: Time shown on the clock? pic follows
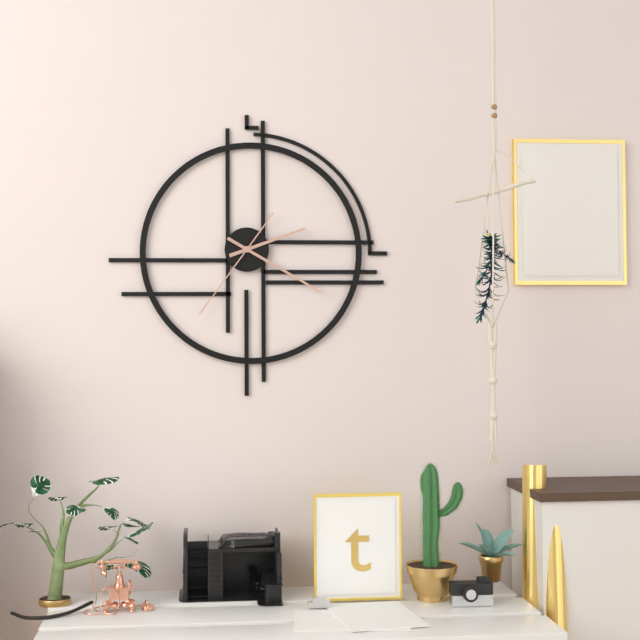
2:20:36
